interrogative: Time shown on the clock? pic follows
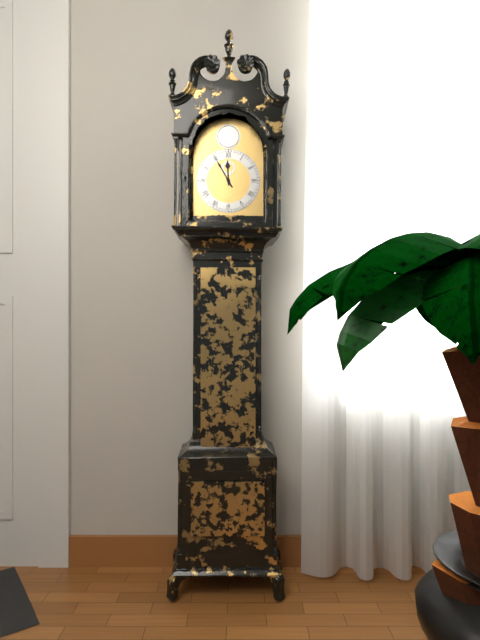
11:55
